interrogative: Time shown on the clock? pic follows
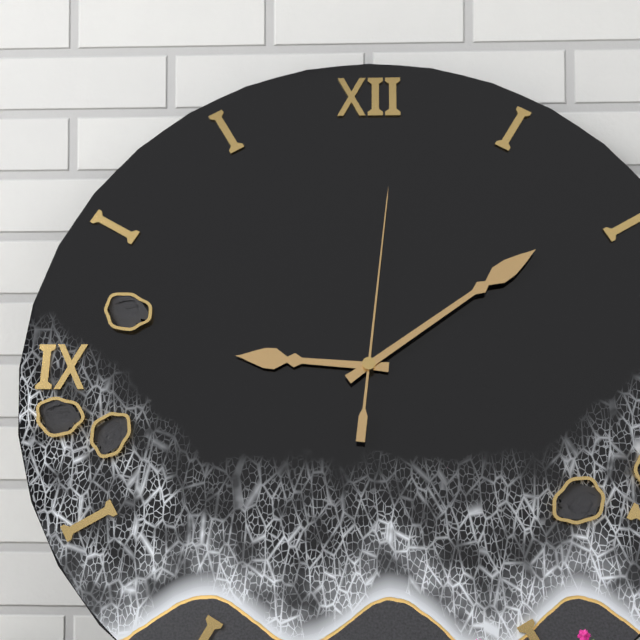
9:09:01
